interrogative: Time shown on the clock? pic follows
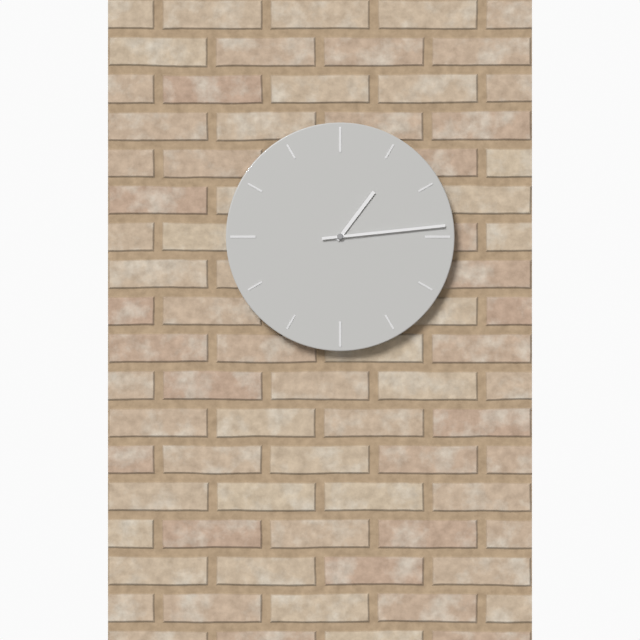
1:14
